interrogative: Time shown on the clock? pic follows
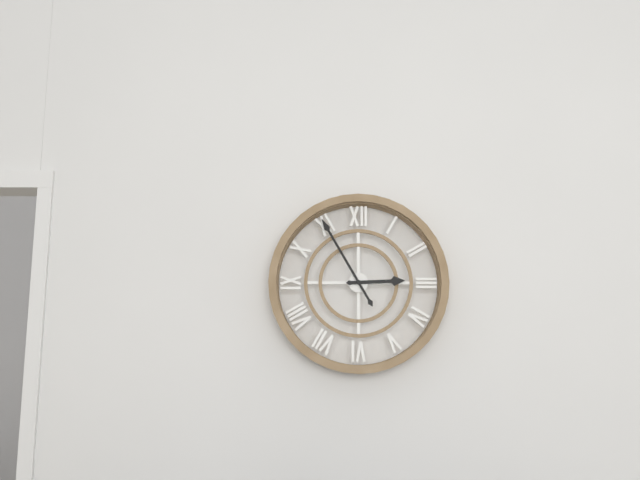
2:55
